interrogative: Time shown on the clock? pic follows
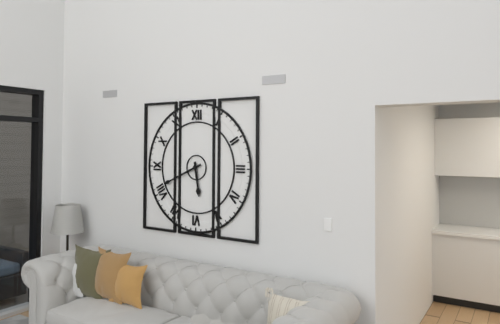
5:41
